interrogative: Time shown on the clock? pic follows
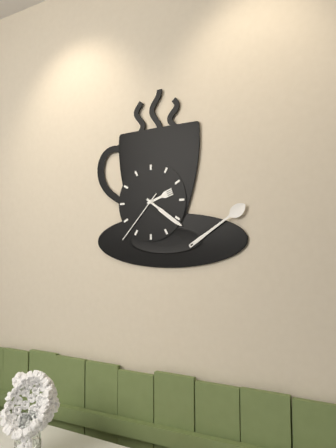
2:21:37
